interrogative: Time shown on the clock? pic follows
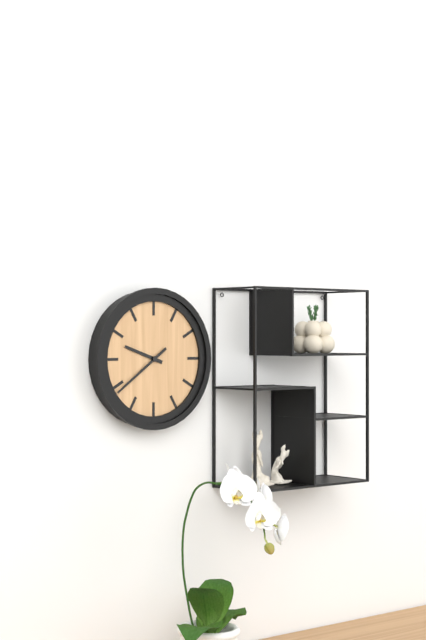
9:39
